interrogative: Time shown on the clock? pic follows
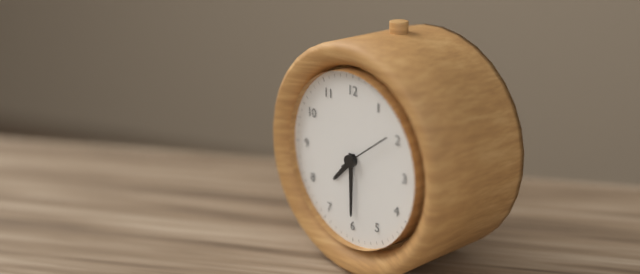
7:30:09
